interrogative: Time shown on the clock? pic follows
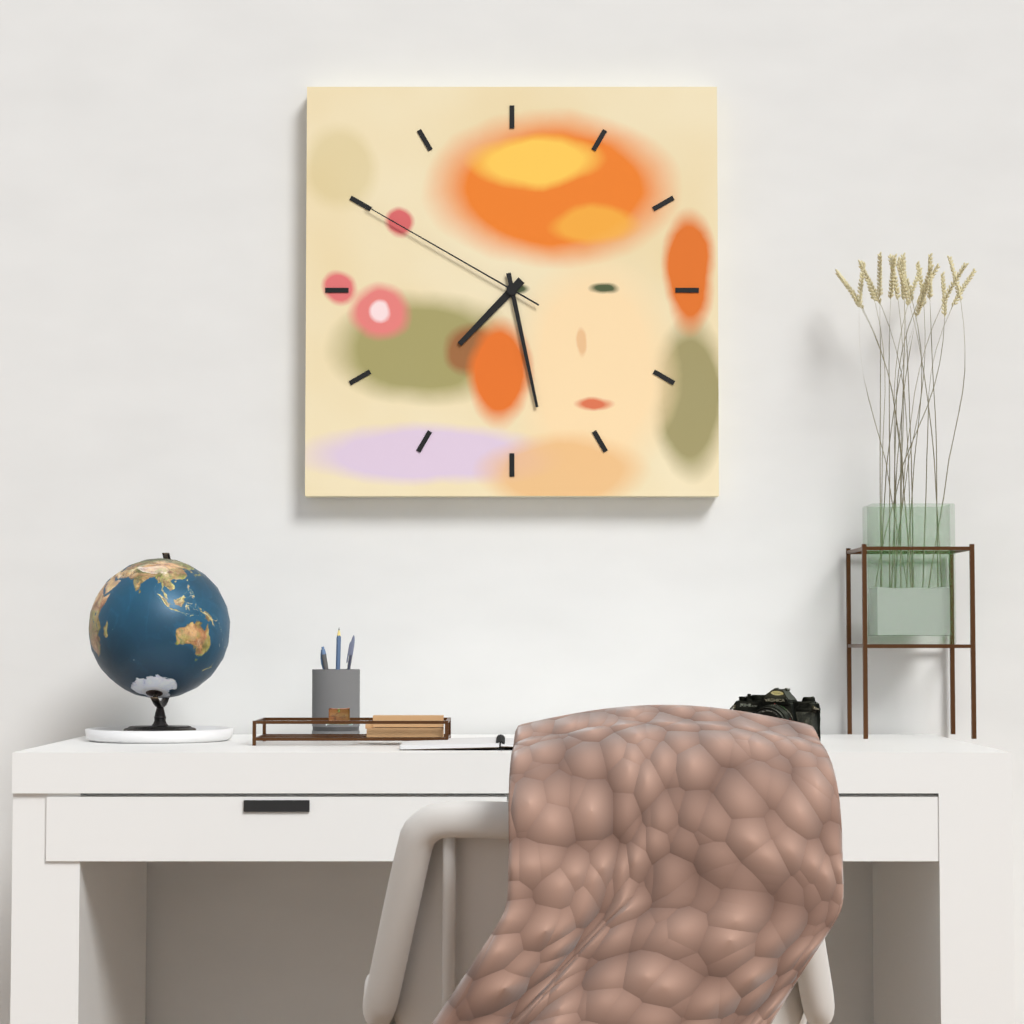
7:28:50
